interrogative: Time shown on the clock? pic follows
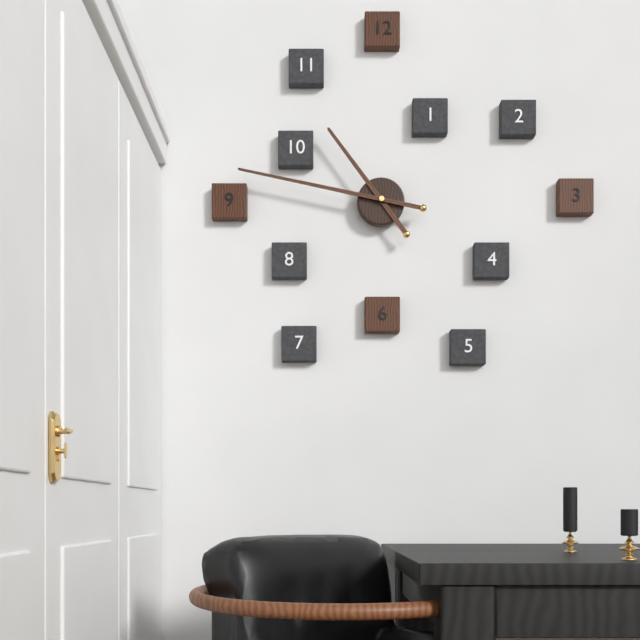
10:47
